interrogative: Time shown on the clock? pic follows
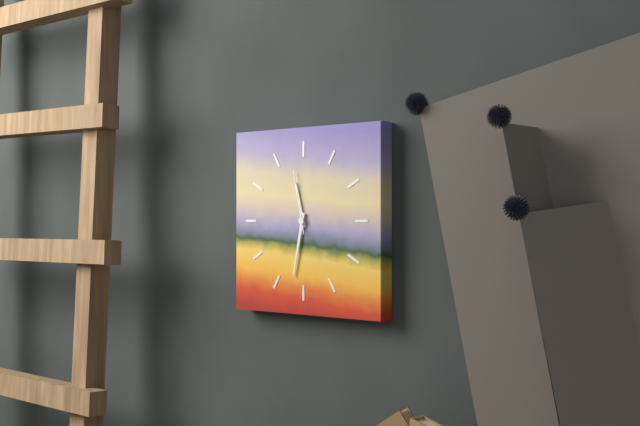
11:32:58
